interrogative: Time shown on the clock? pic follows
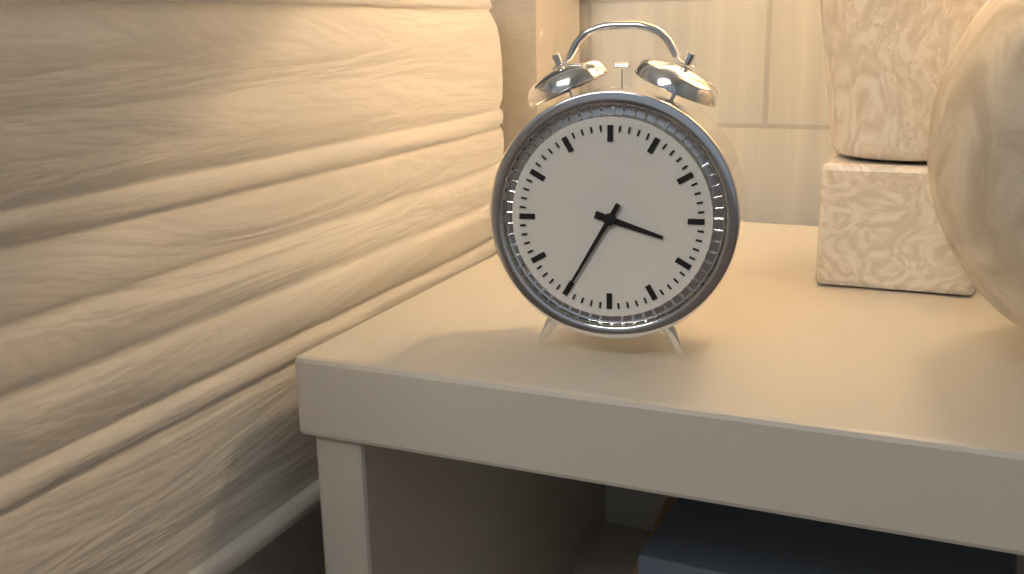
3:35
